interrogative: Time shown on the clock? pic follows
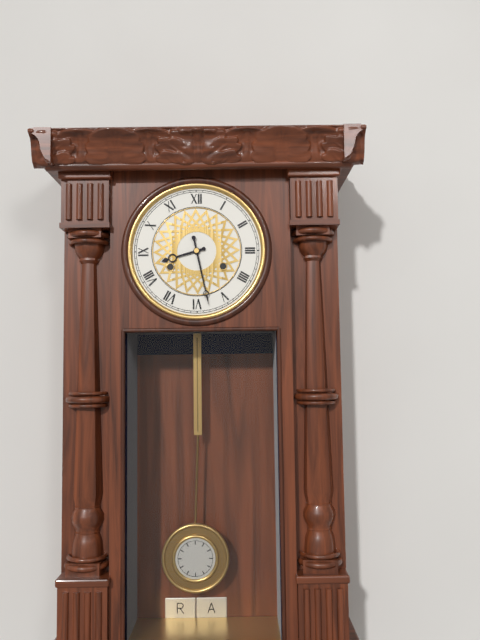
8:28
